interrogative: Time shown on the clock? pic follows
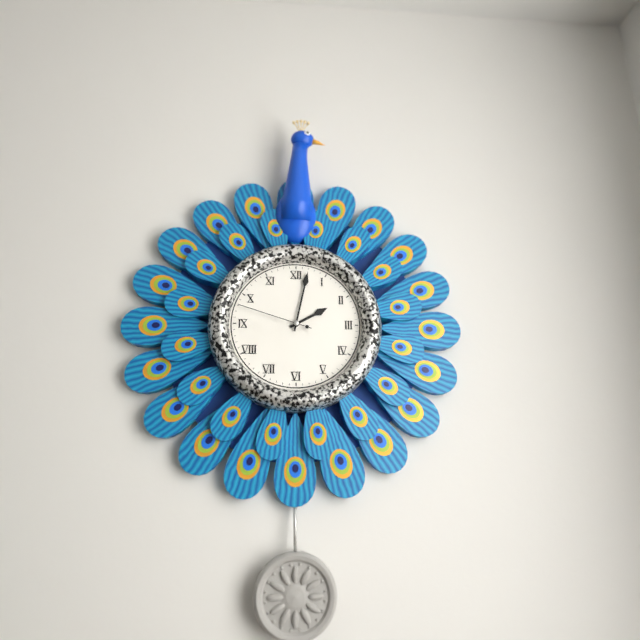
2:02:48
